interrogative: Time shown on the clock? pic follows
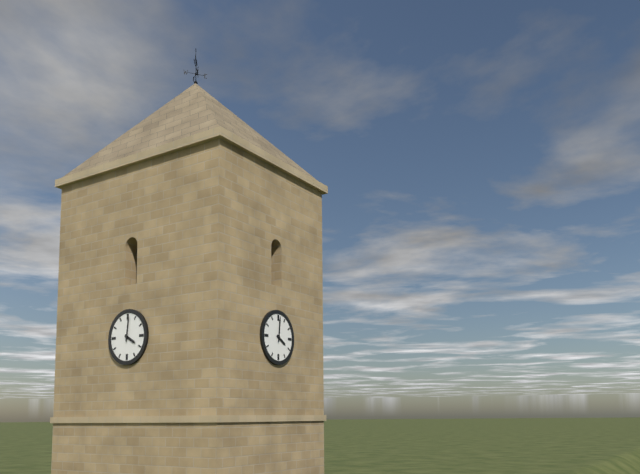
4:01
